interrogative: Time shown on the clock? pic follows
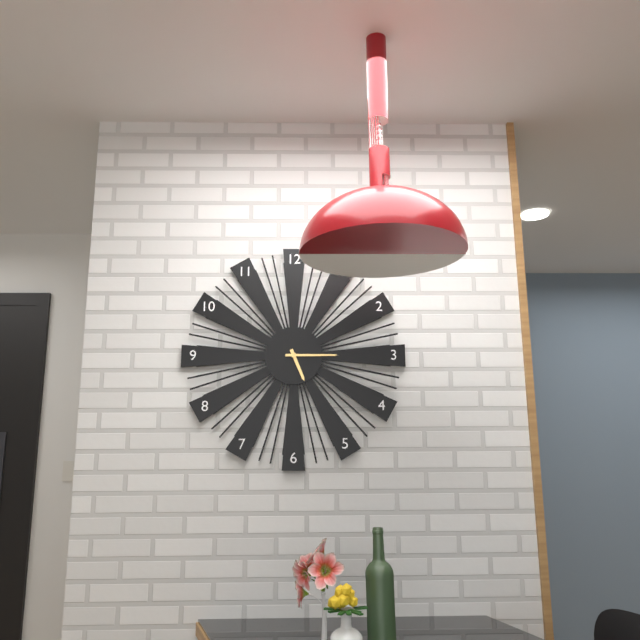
5:15
